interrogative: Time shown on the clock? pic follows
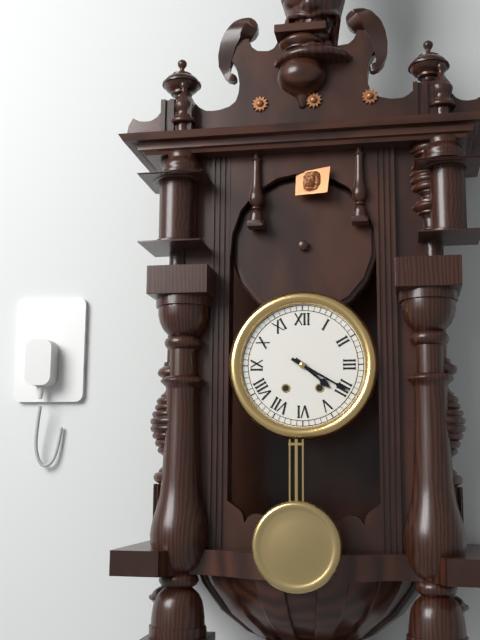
4:20
